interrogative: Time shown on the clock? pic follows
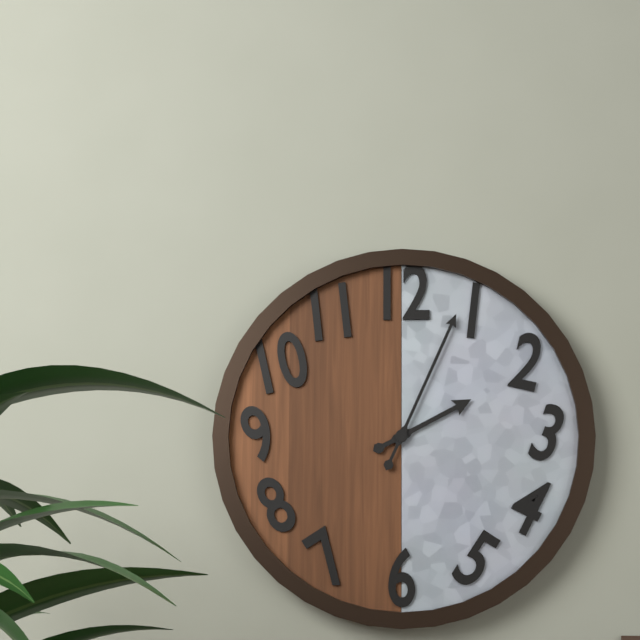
2:04
